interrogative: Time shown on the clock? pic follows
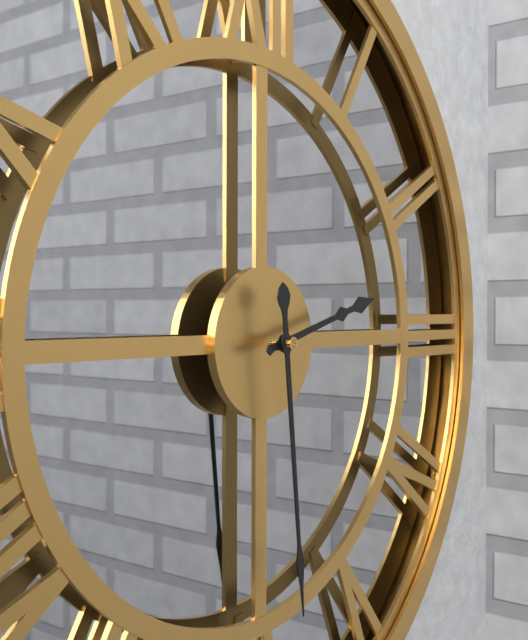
2:29
